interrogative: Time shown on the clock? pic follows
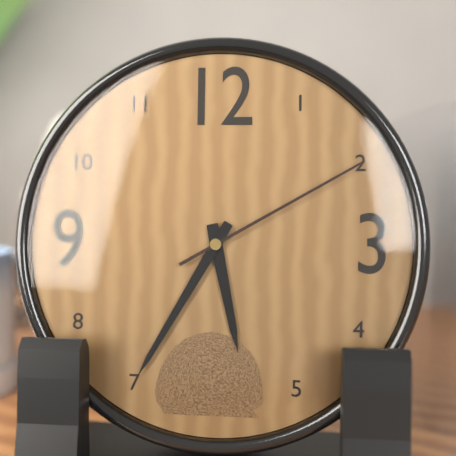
5:35:10
